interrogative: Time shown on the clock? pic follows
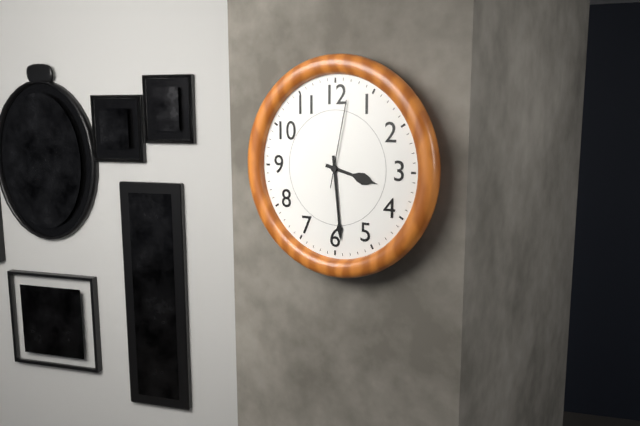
3:29:02
